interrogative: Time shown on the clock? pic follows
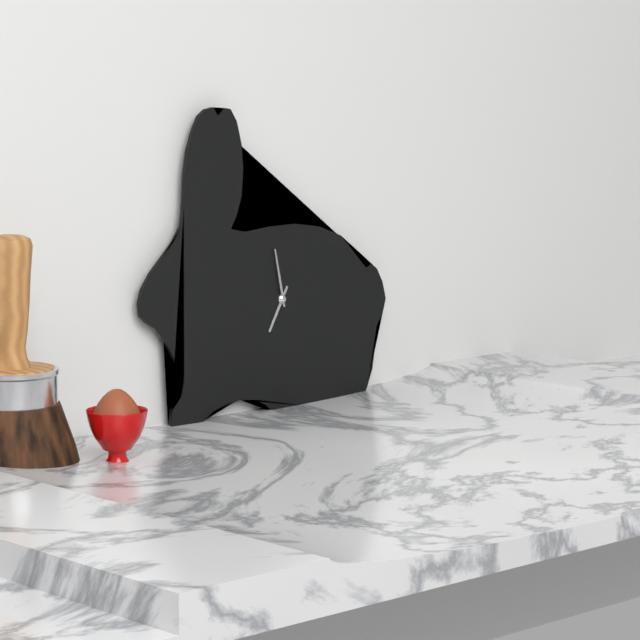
6:58
